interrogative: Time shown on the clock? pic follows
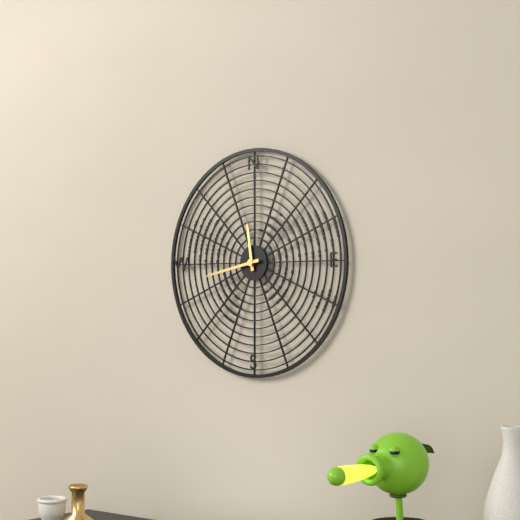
11:43
